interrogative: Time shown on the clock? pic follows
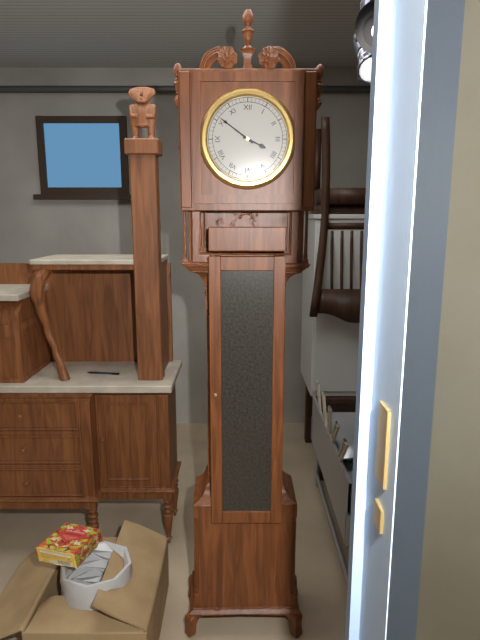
3:51
